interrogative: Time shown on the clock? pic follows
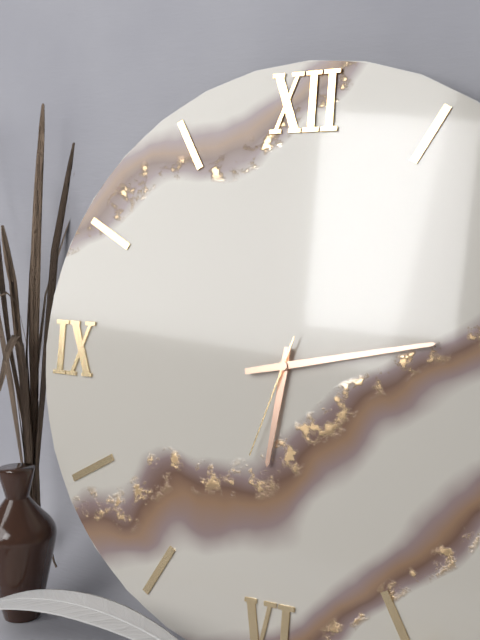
6:13:33
